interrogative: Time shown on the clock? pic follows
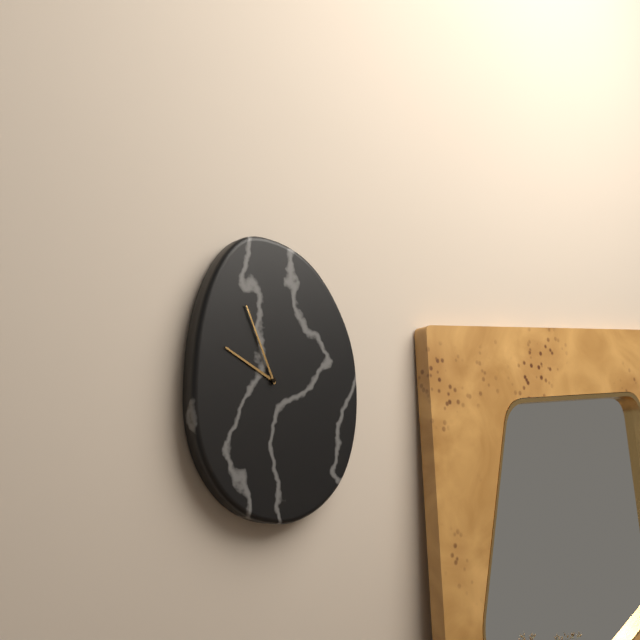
9:56
